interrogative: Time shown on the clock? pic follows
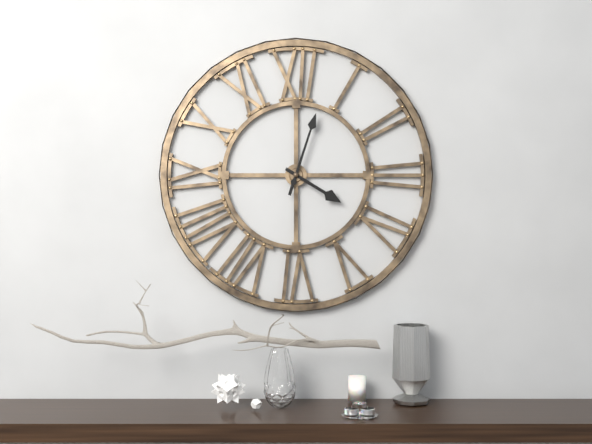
4:03
